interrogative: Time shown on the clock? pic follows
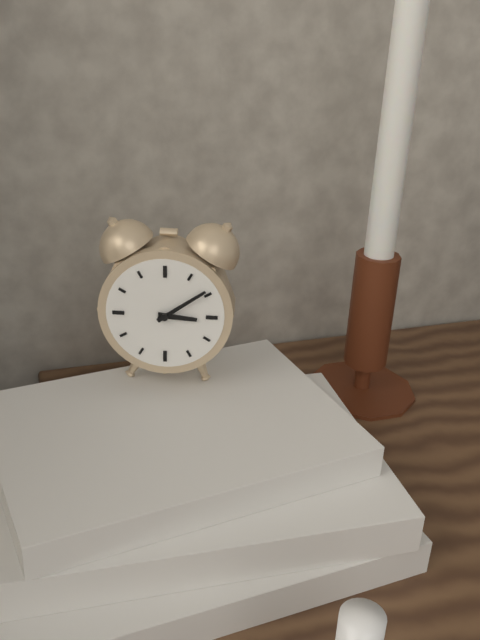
3:09
